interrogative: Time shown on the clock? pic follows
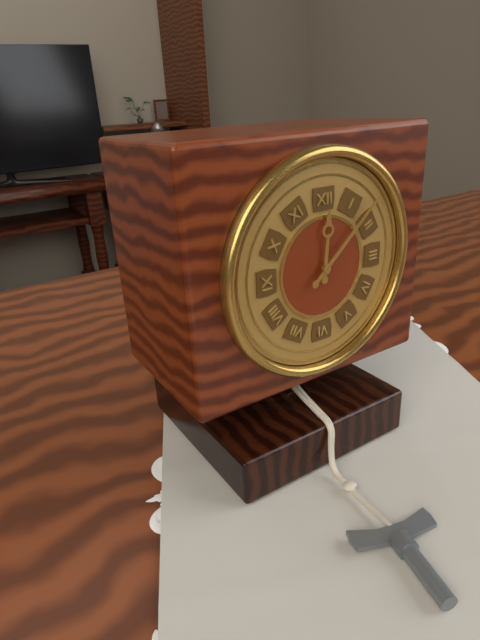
12:08
